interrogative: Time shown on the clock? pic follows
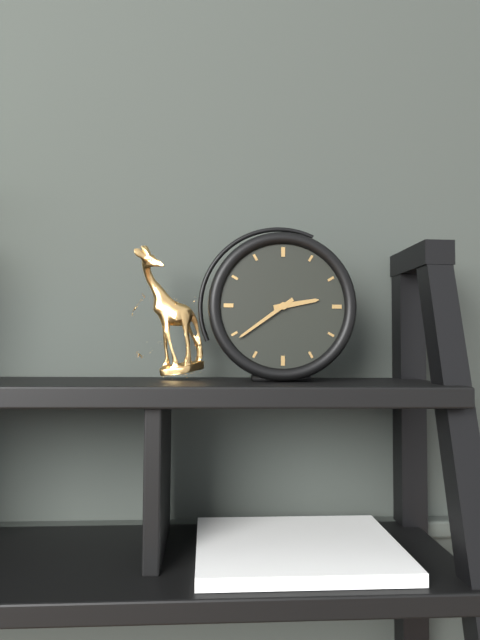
2:39
